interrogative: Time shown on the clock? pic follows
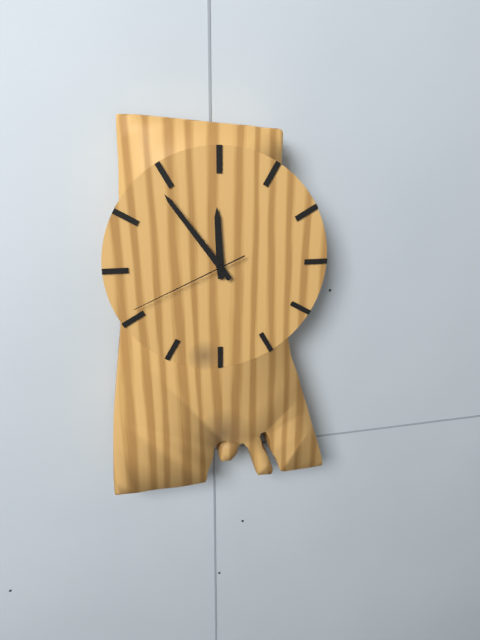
11:54:41
